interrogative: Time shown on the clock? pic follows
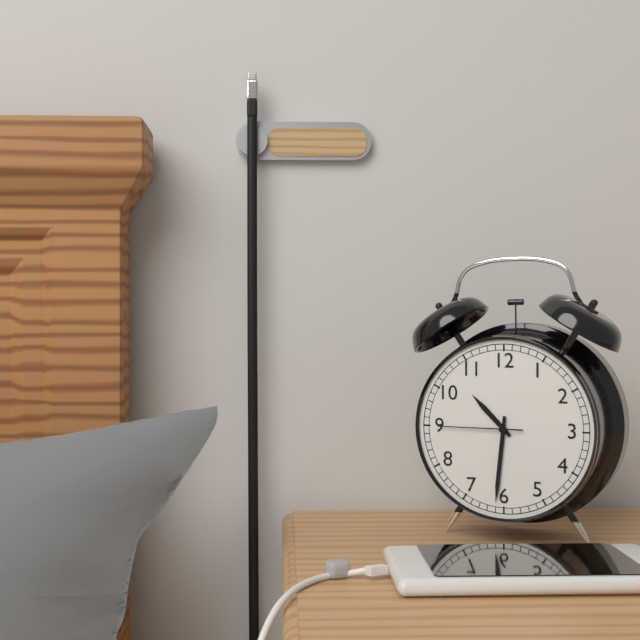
10:31:45
